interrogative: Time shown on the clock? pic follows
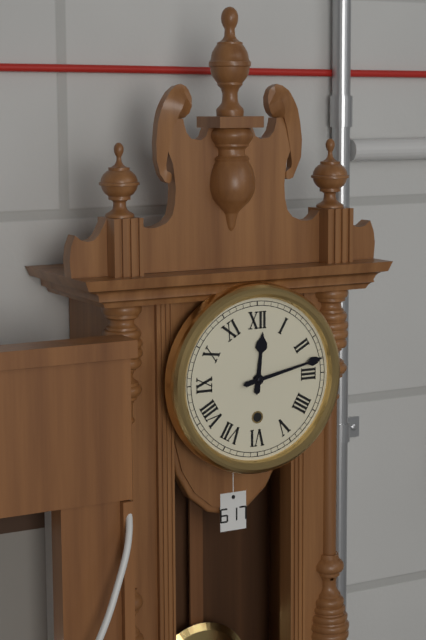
12:13
